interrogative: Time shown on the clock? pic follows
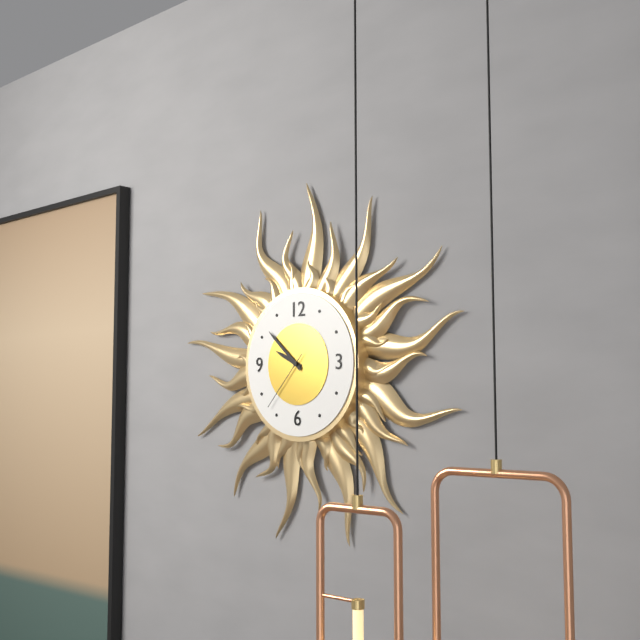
9:52:37
